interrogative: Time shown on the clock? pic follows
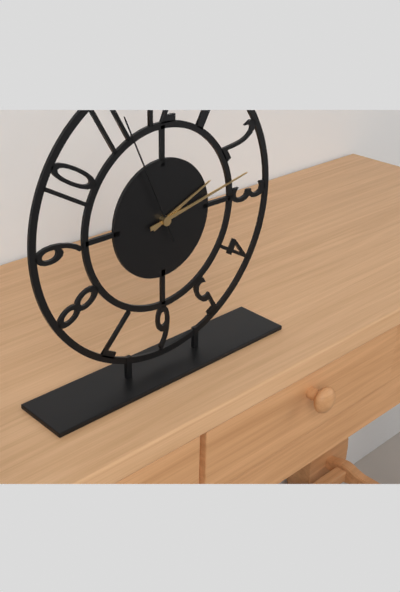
2:13:56
